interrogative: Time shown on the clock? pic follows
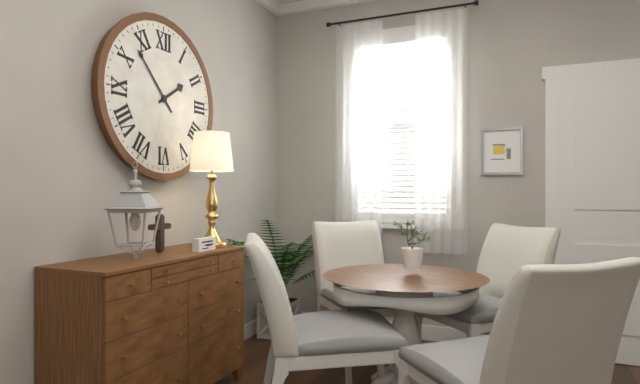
1:53
